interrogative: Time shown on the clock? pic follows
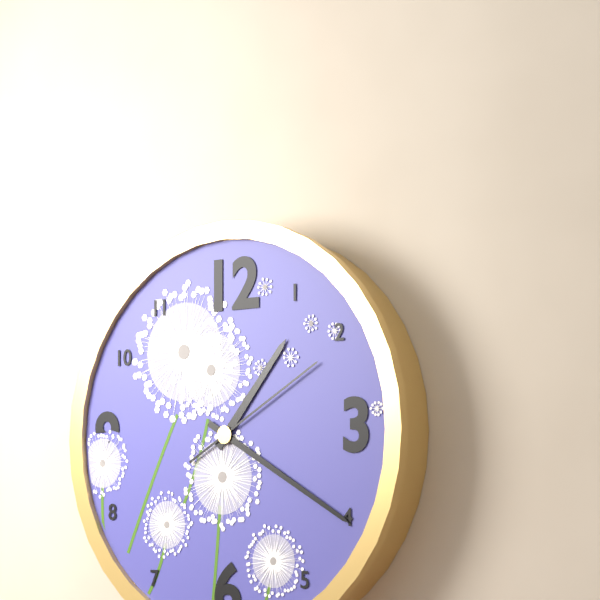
1:20:10
